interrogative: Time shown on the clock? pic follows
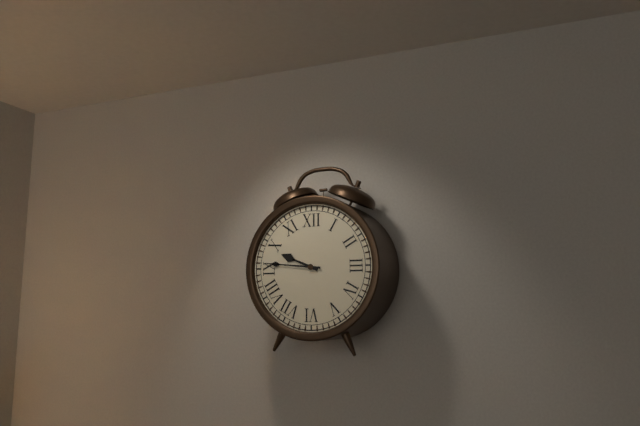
9:46
